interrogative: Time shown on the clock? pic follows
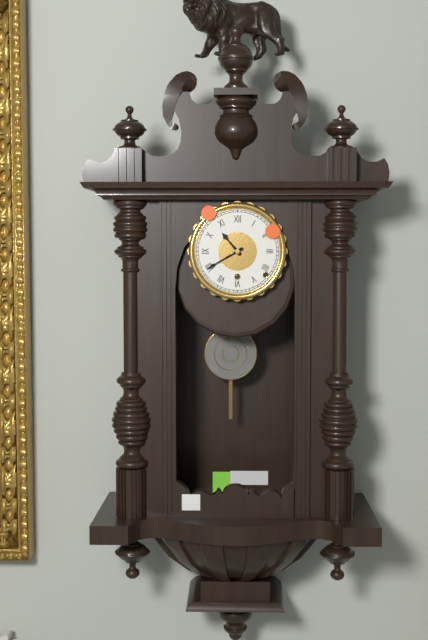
10:40
